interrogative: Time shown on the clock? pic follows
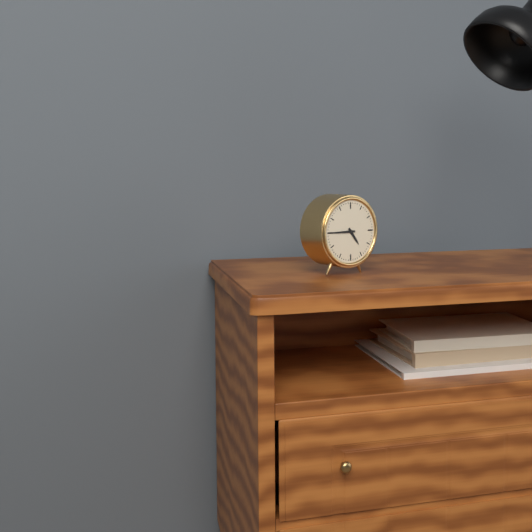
4:45
